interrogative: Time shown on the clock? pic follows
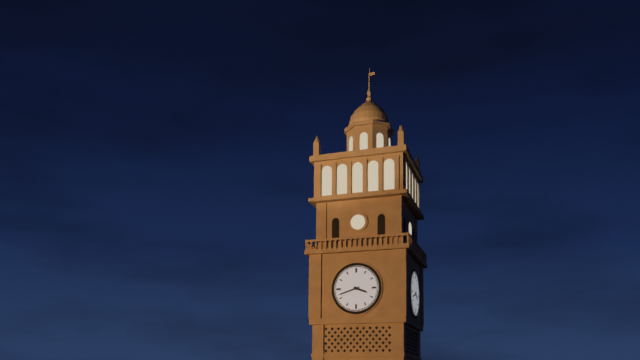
3:42
